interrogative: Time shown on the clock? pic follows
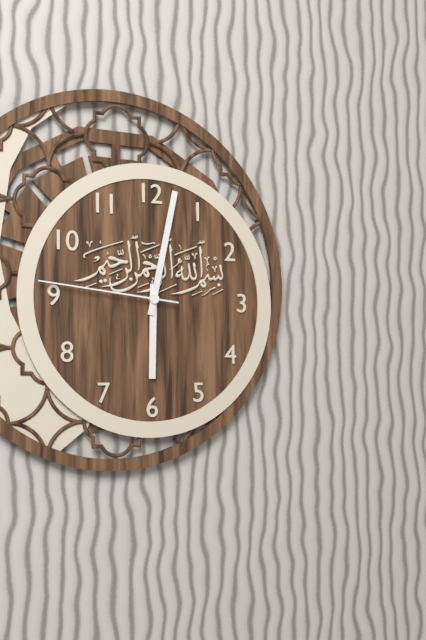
6:02:46
